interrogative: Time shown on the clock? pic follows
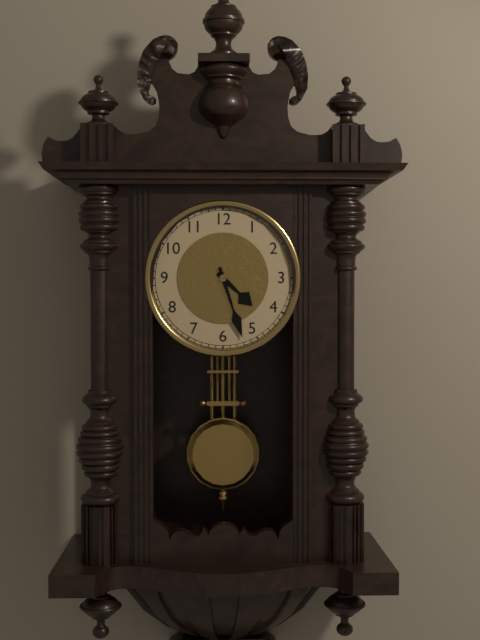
4:27
